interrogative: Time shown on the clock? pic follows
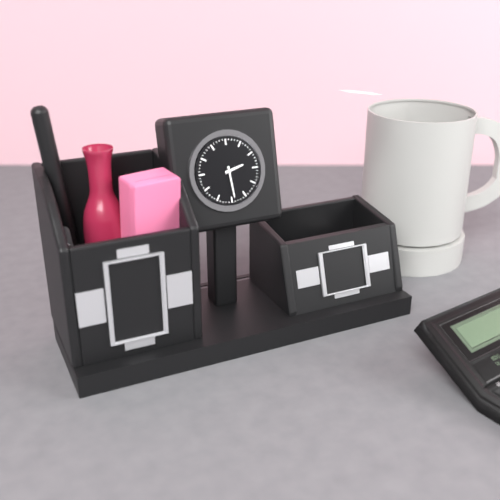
2:29
